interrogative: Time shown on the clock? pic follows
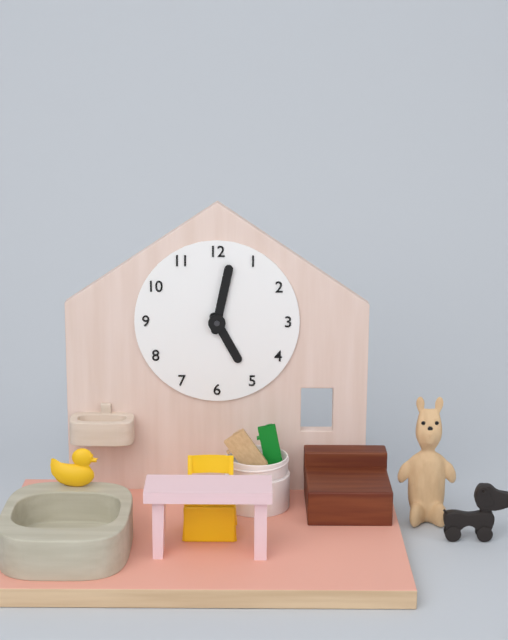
5:02
